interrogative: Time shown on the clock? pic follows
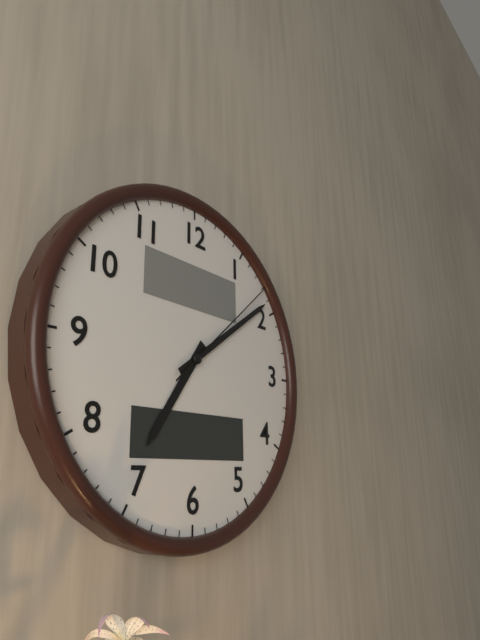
7:09:08
